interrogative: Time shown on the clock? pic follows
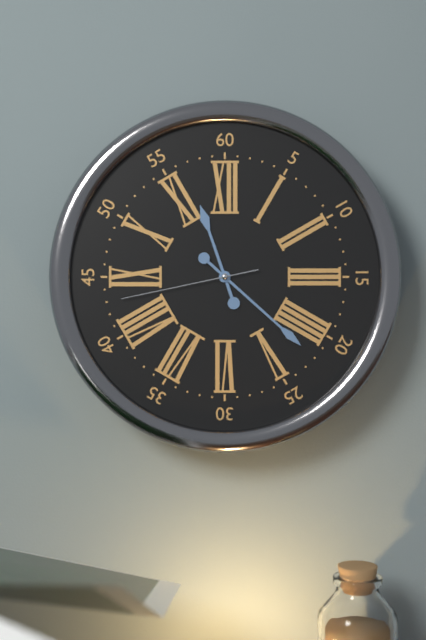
11:22:43
